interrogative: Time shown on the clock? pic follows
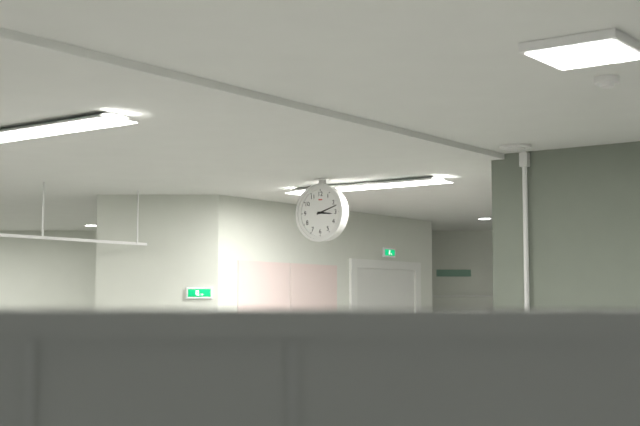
3:12
